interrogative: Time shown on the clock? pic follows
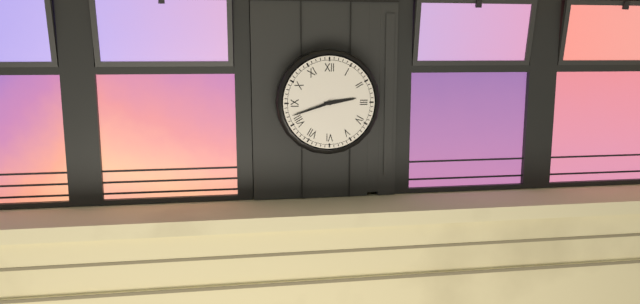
2:42
